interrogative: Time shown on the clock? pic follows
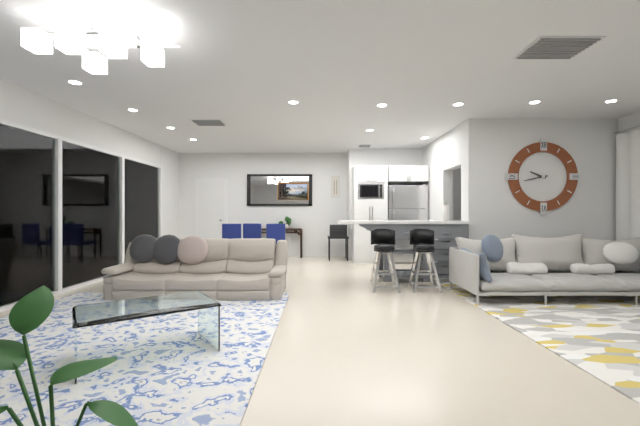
9:43
